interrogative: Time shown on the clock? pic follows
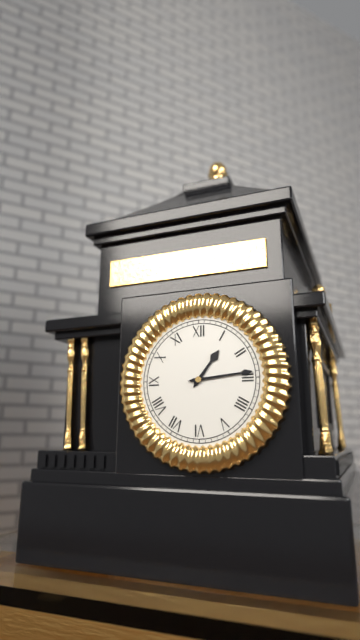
1:14
